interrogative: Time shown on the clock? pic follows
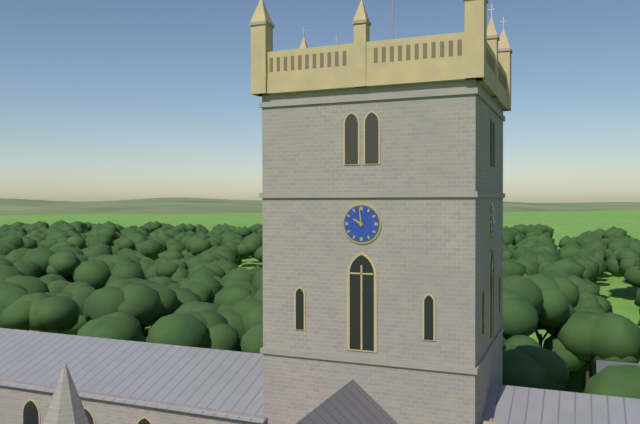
9:59
